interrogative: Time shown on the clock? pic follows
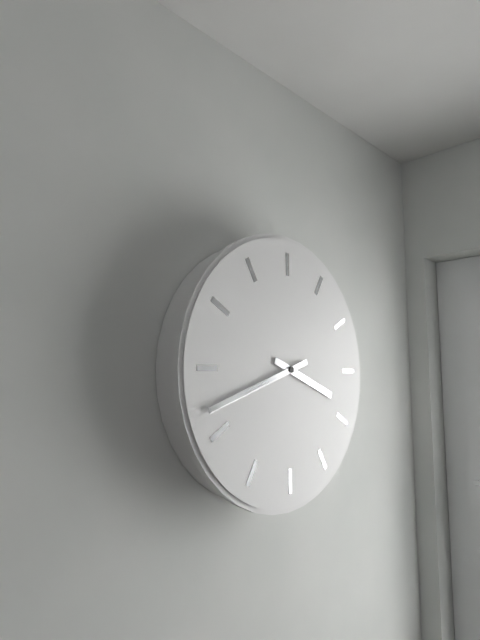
3:42
